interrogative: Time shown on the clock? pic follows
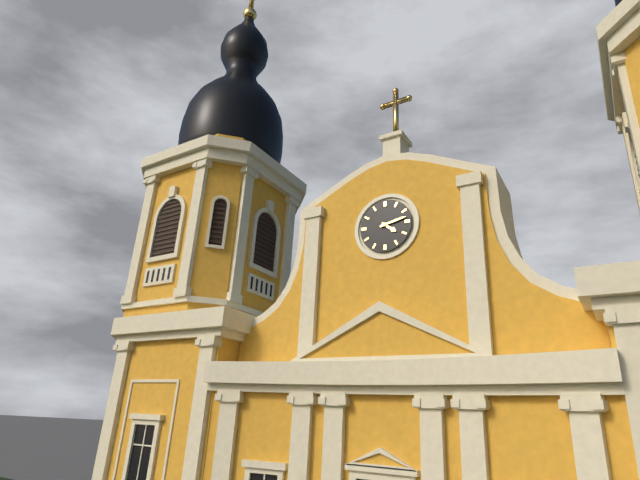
4:13
